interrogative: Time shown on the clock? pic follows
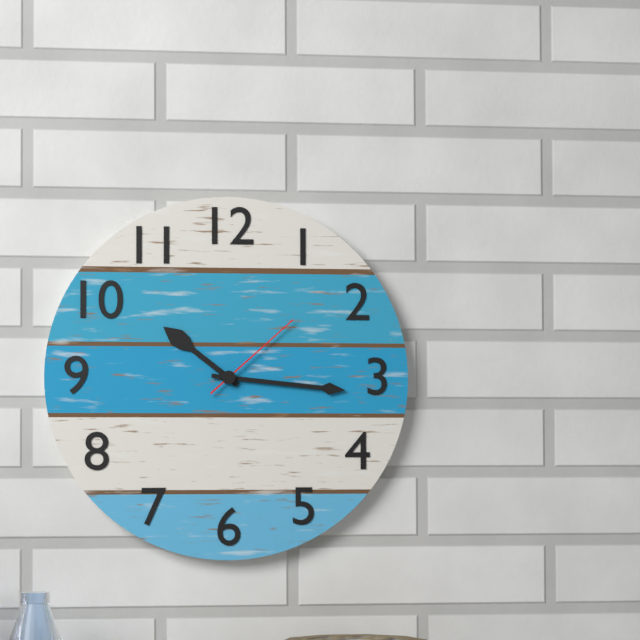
10:16:08
